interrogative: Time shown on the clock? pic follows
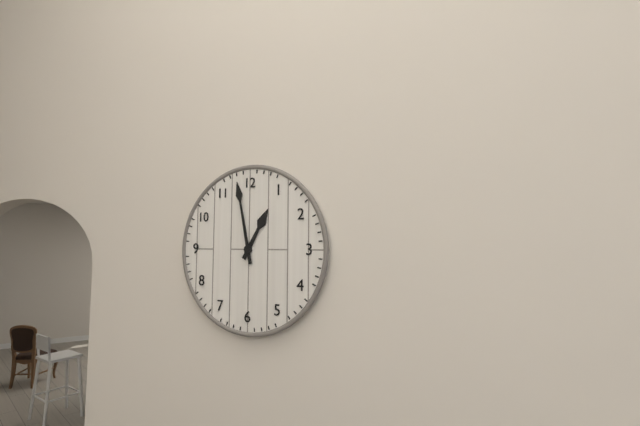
12:58
